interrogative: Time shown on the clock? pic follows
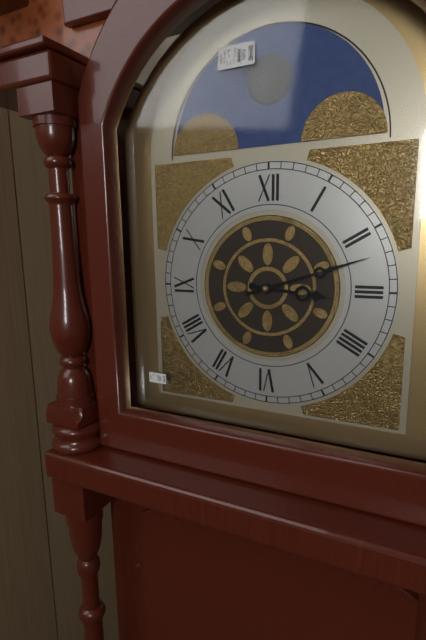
3:12
